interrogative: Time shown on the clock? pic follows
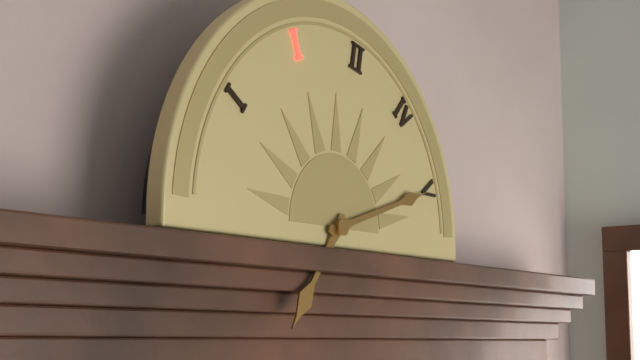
7:12
